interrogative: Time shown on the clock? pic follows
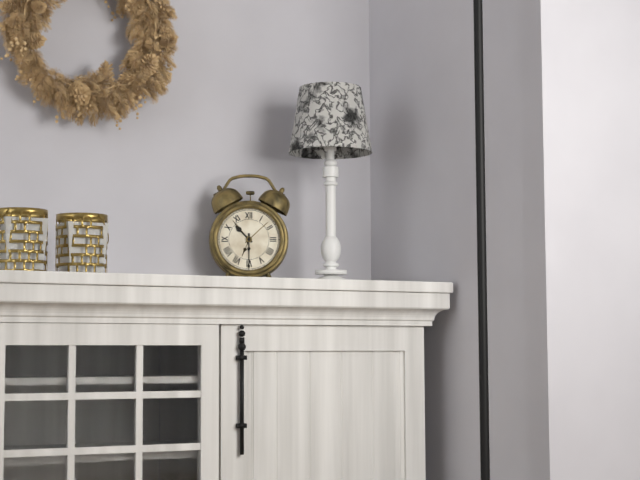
10:30
